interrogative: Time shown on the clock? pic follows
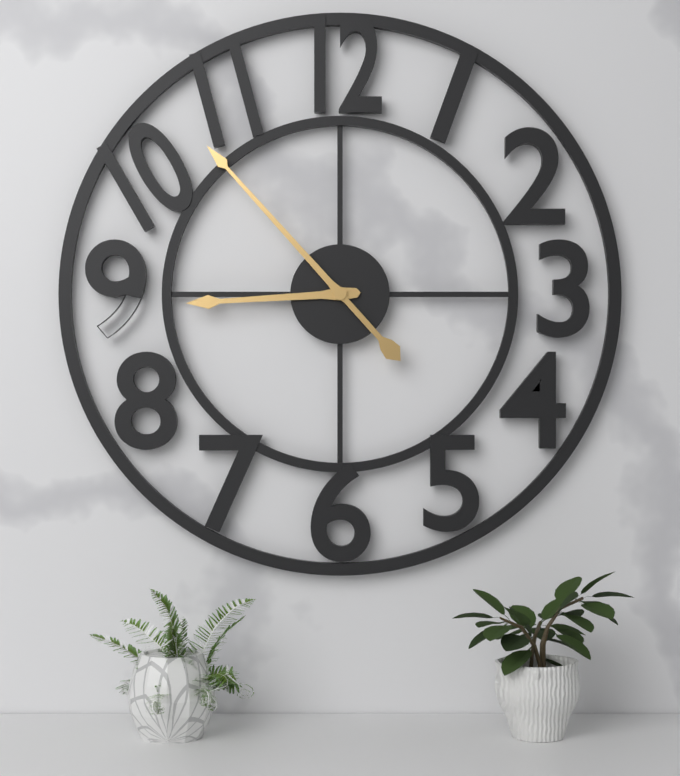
8:53
